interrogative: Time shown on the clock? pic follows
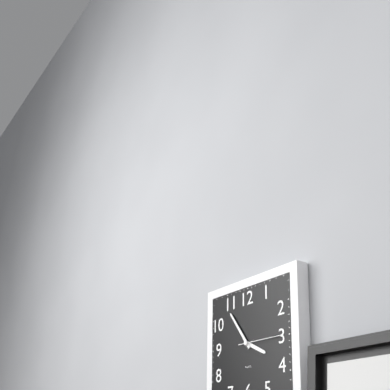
3:54
